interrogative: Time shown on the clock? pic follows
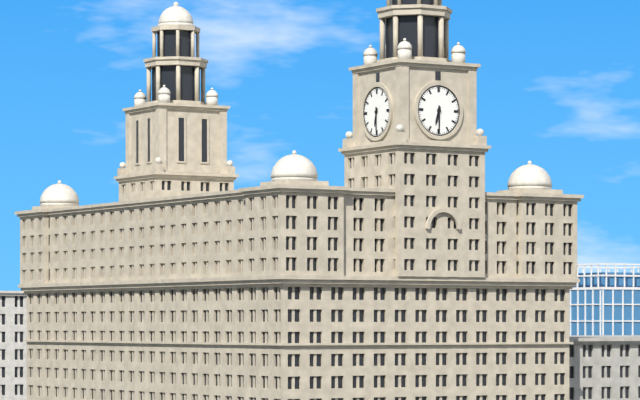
6:30
